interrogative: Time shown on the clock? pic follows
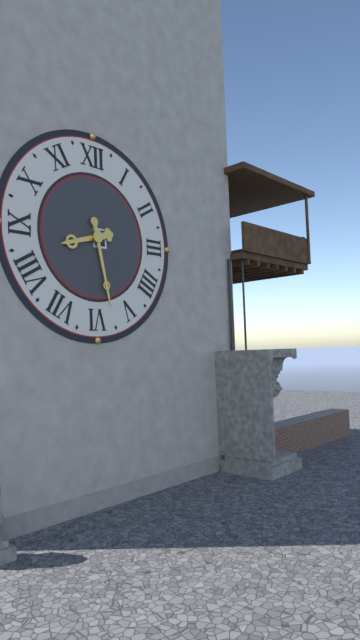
8:28
